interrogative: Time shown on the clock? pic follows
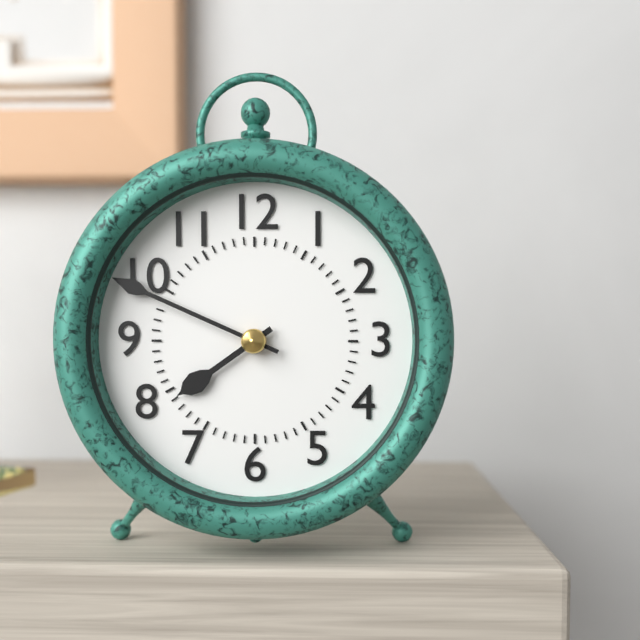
7:49
